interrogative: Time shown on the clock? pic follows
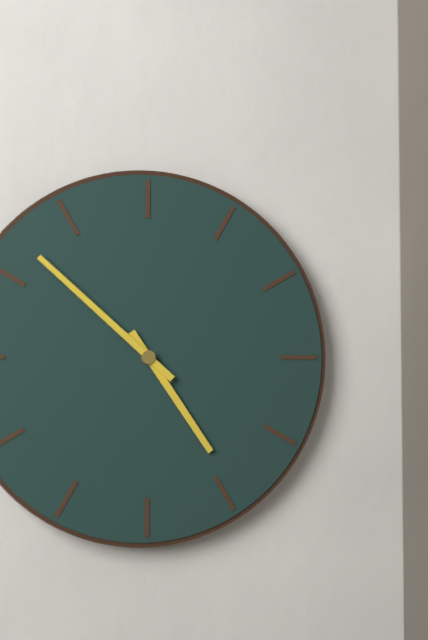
4:52
